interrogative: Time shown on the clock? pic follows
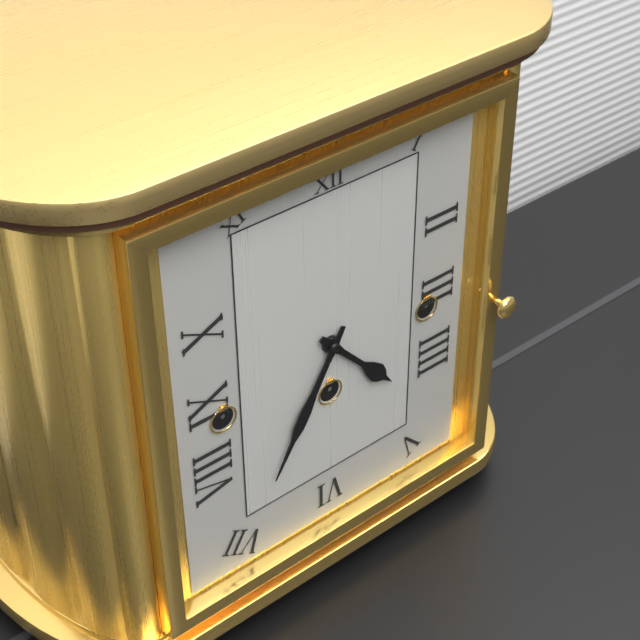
4:35
